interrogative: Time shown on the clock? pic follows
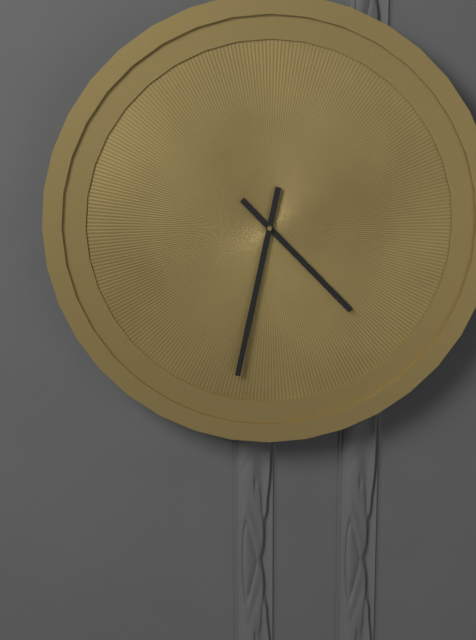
4:32
